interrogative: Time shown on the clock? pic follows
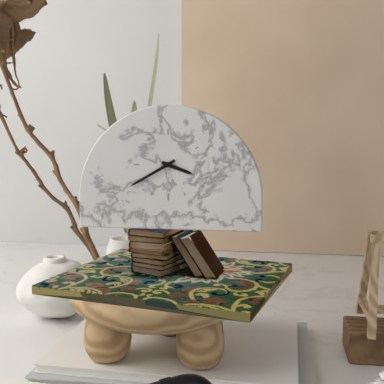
3:40
